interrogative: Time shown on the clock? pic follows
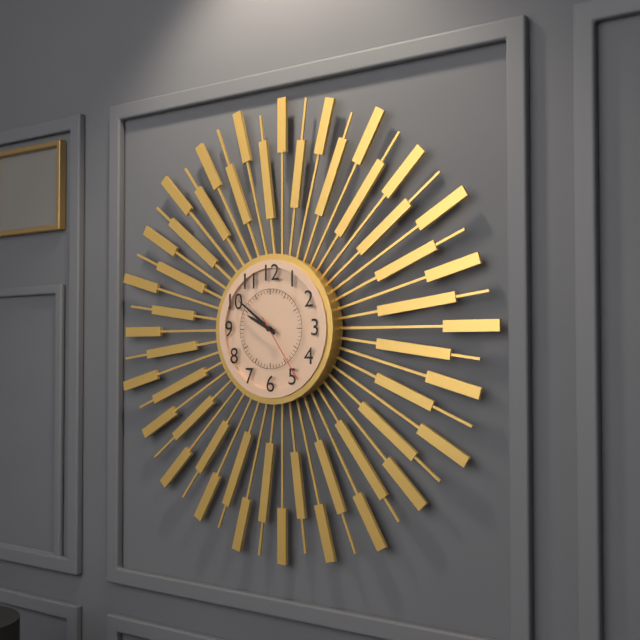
9:51:24
